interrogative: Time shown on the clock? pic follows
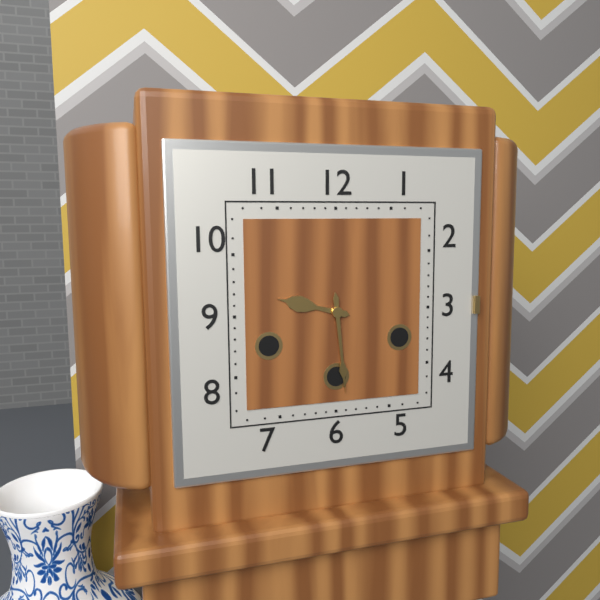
9:29
